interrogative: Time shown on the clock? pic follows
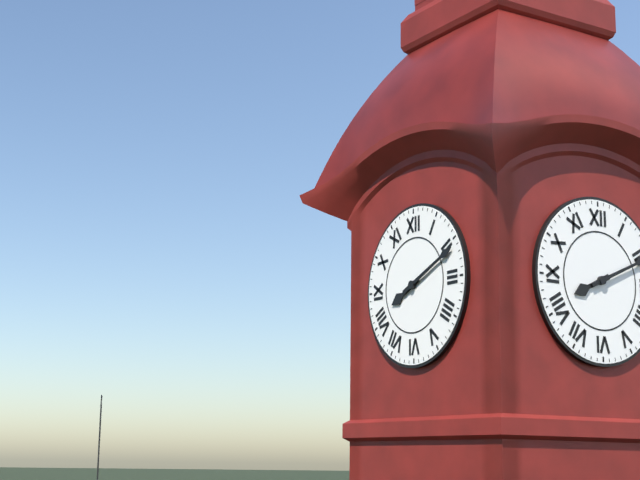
8:11
